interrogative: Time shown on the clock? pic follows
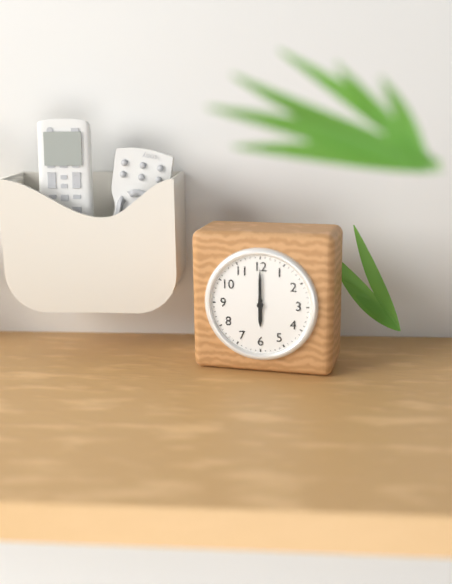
6:00
